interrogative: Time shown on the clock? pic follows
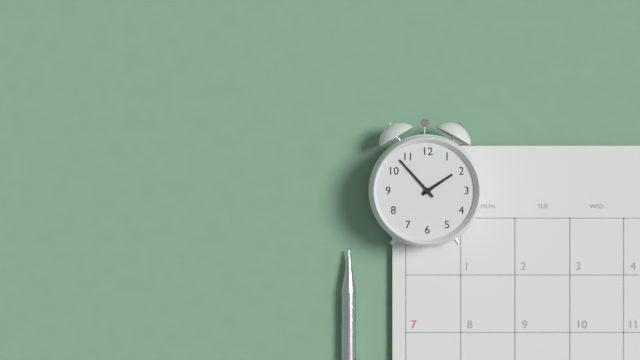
1:53
